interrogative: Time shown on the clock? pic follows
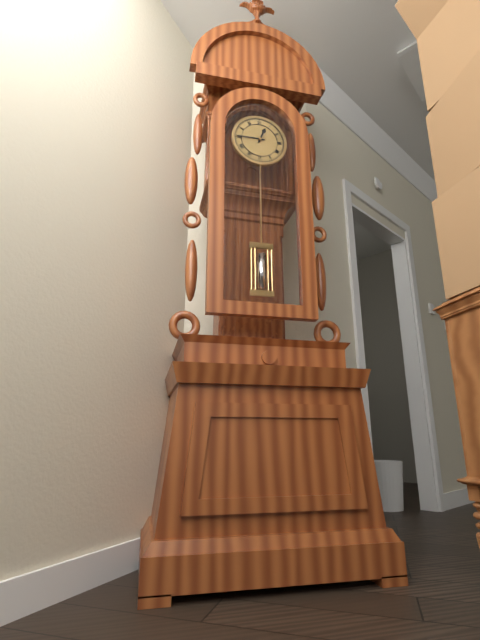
12:45
